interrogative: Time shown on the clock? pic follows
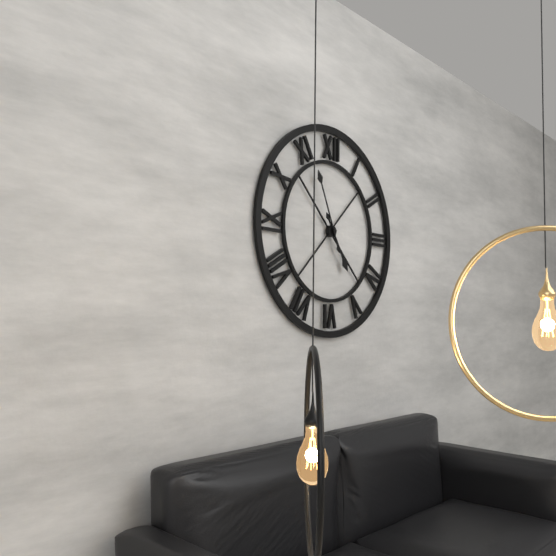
4:56
